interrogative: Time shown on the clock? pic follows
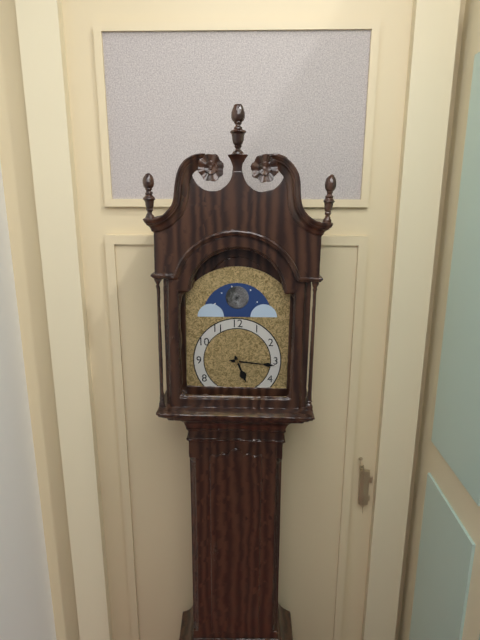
5:16
